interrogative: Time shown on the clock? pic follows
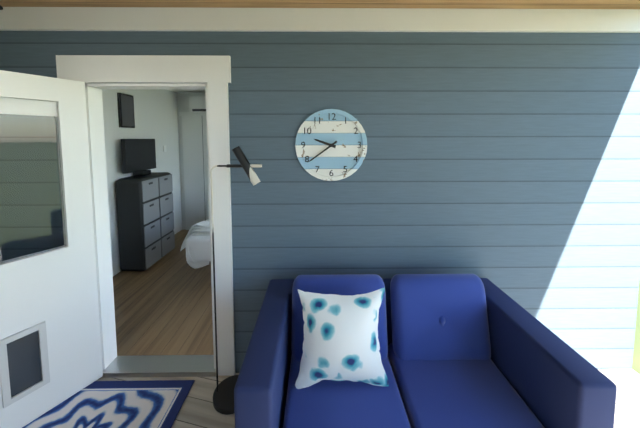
9:39
